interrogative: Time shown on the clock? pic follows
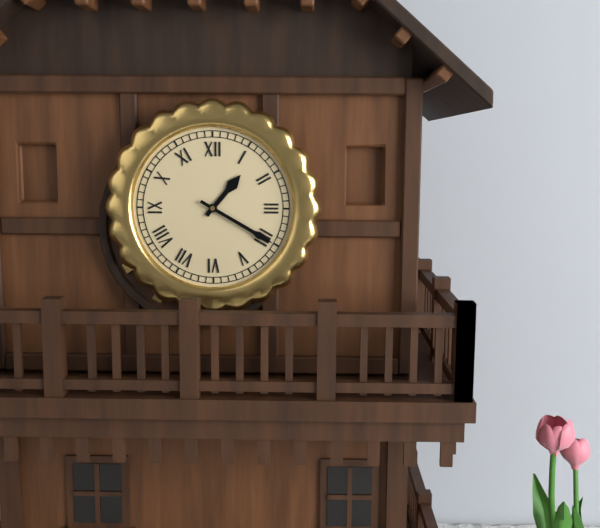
1:20
